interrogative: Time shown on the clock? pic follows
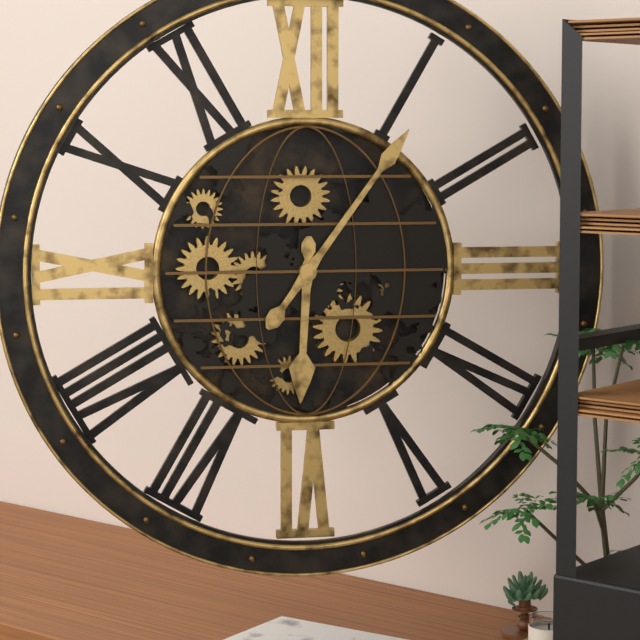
6:06
